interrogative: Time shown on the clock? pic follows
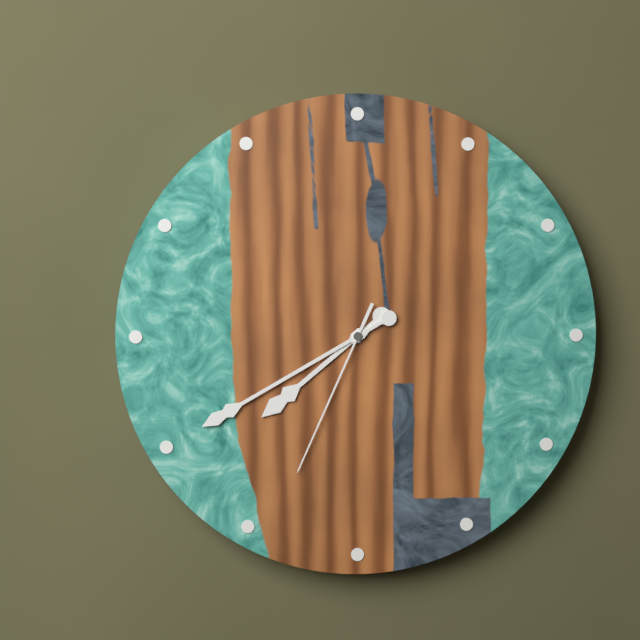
7:40:34
